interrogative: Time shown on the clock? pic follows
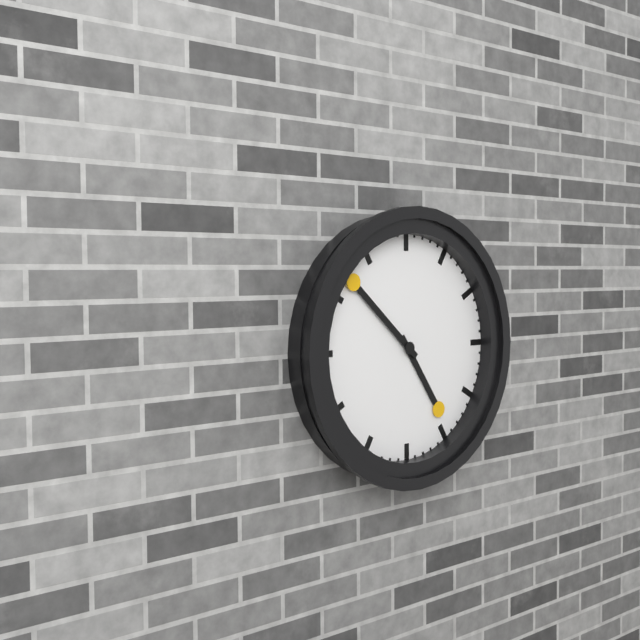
4:52
